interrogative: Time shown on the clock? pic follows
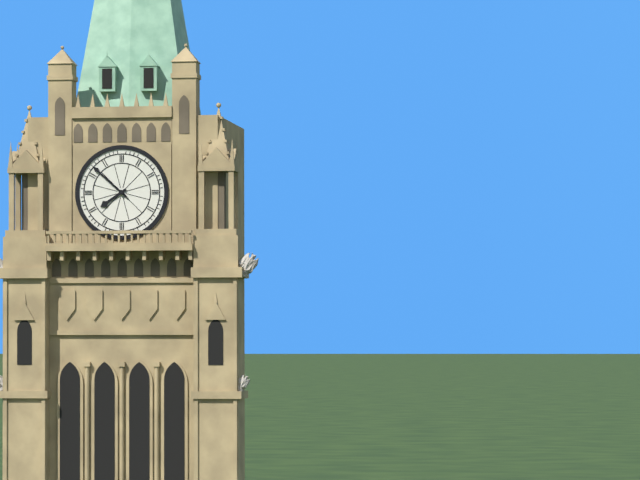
7:52
